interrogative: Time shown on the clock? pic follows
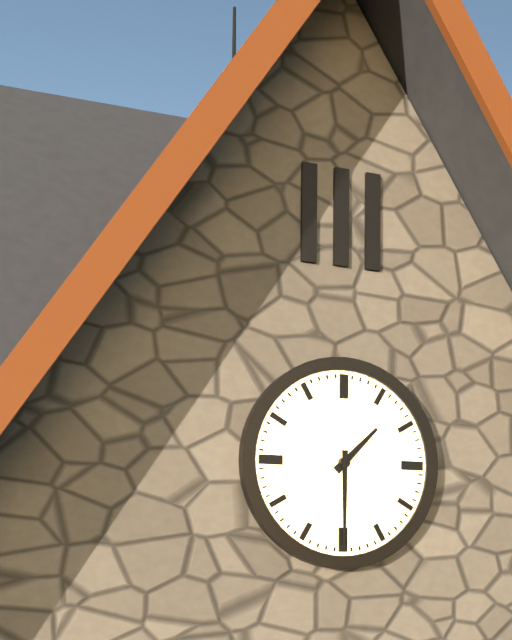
1:30
